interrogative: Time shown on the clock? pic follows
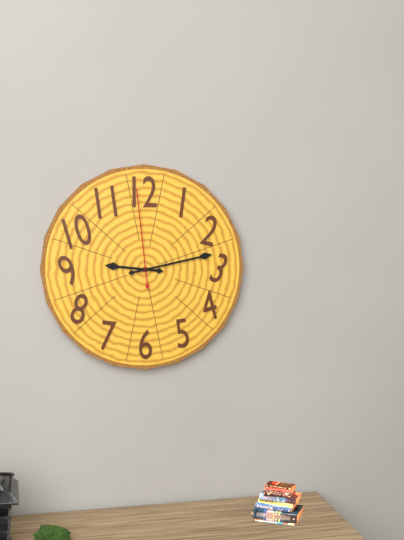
9:13:59
